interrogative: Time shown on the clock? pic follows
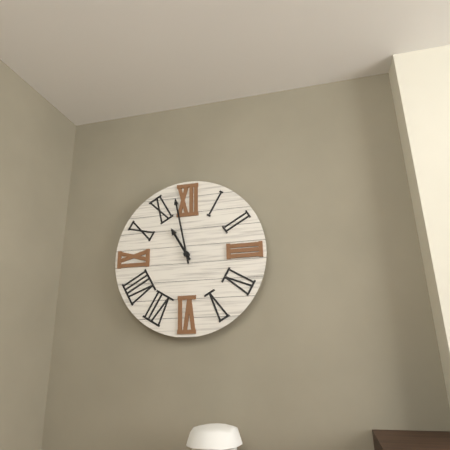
10:58
